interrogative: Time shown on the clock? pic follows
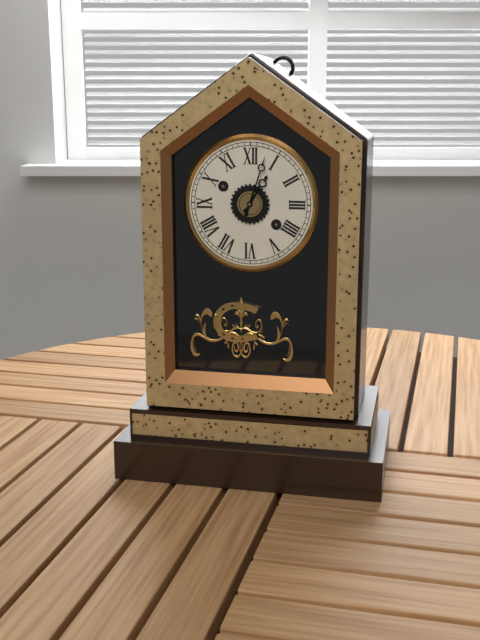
1:03
